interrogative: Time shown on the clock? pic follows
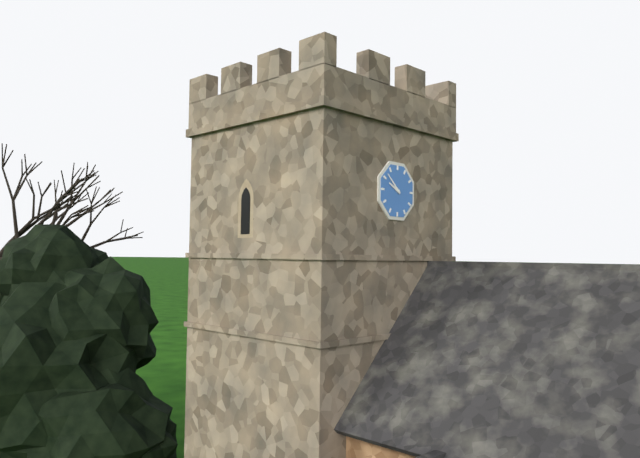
9:52
